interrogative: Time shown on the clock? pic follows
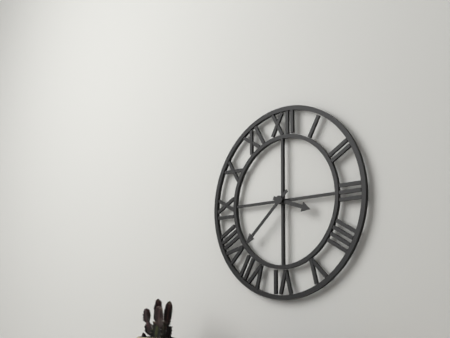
3:38
